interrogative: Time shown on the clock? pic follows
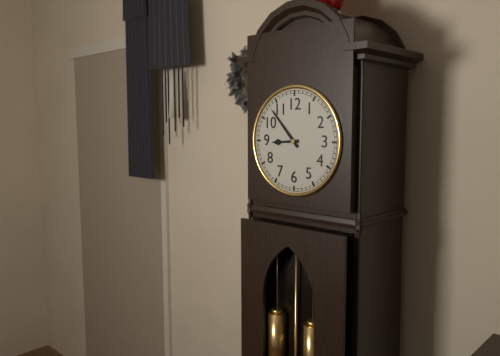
8:53
